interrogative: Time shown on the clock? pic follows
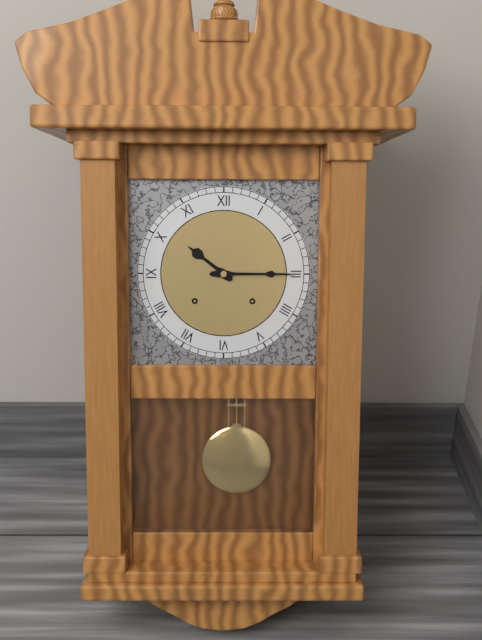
10:15
